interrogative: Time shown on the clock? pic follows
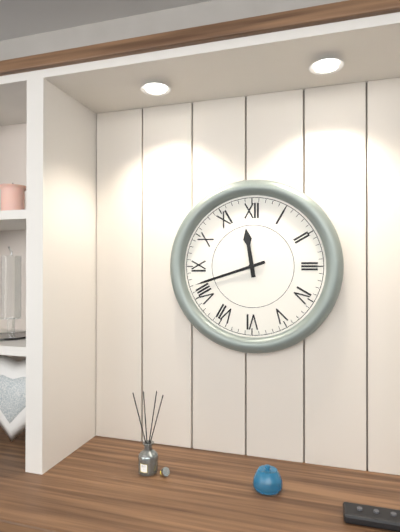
11:42
